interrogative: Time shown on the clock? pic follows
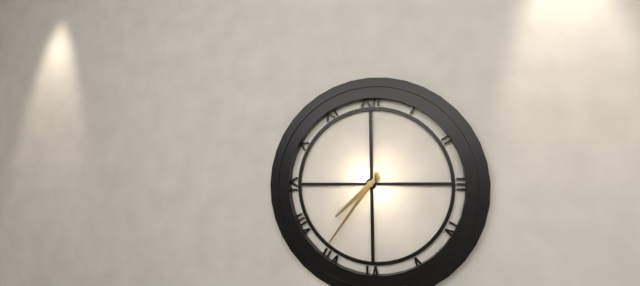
7:36
